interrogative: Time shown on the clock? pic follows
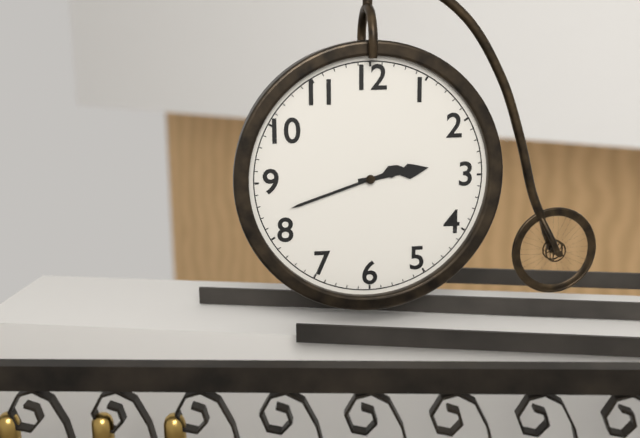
2:42
